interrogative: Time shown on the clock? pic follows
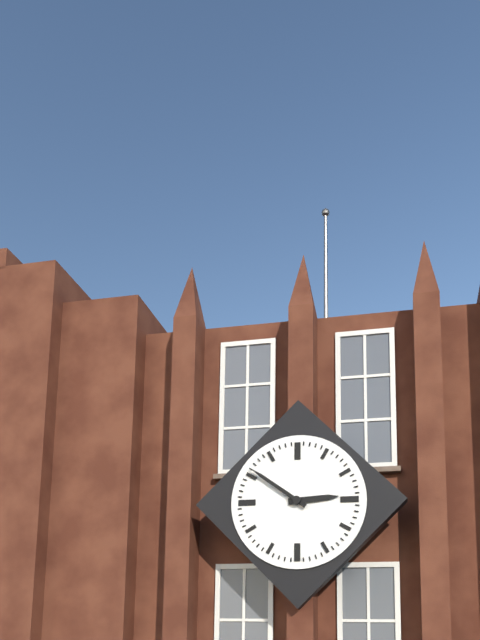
2:51
